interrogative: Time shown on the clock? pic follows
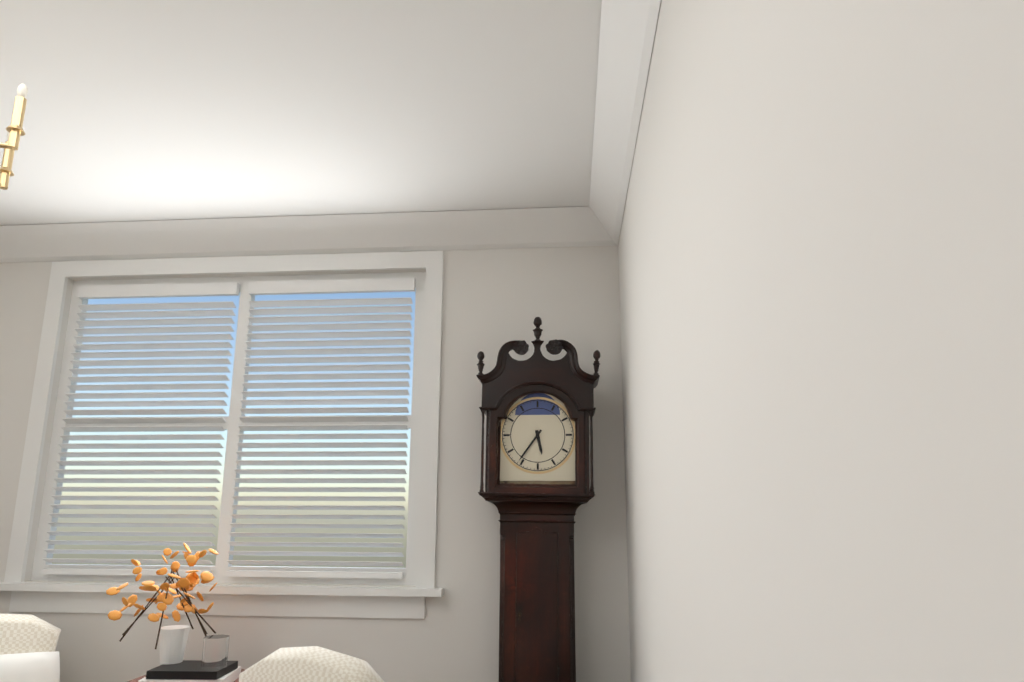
5:36
